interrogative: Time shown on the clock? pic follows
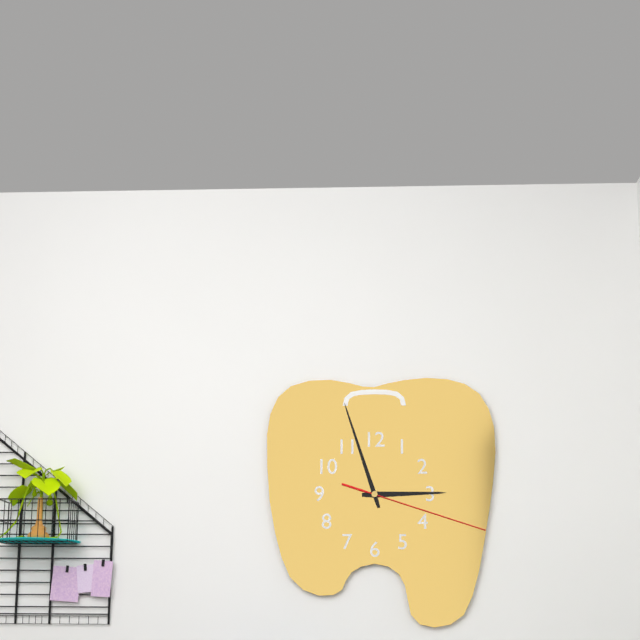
2:57:18
